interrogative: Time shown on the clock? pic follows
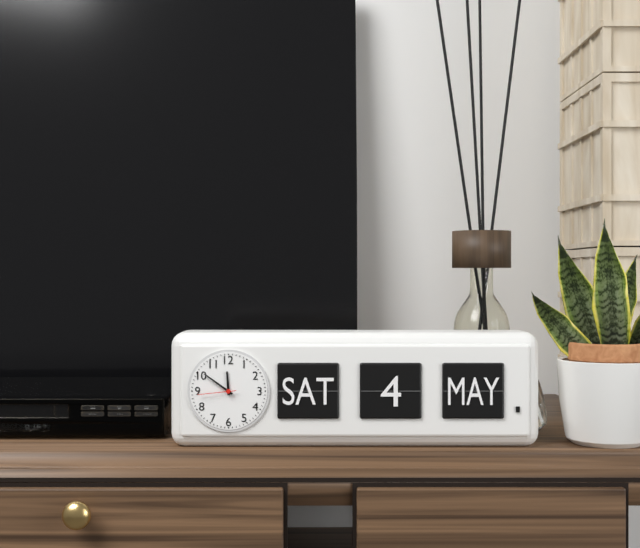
11:51
